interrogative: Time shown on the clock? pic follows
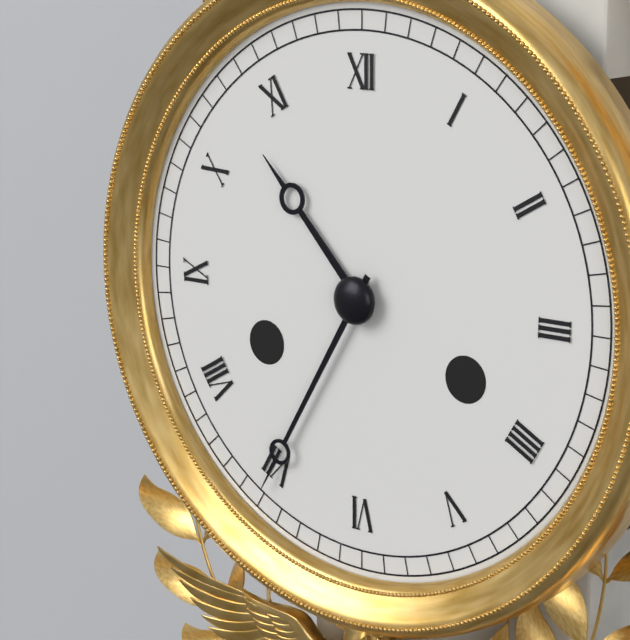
10:35
